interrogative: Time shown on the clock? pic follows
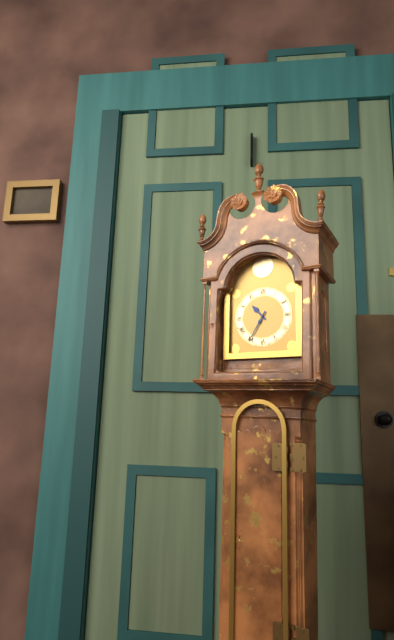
10:35
